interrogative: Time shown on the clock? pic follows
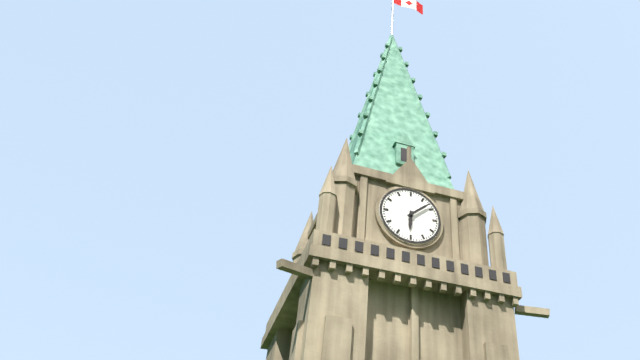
6:08
